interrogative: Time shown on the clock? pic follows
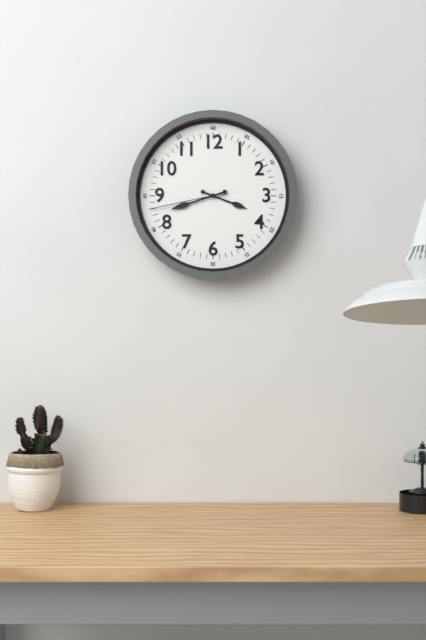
3:42:43
